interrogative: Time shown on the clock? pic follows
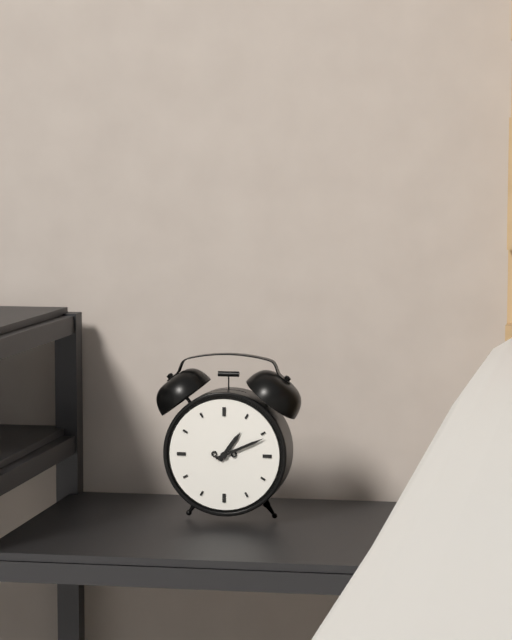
1:11
